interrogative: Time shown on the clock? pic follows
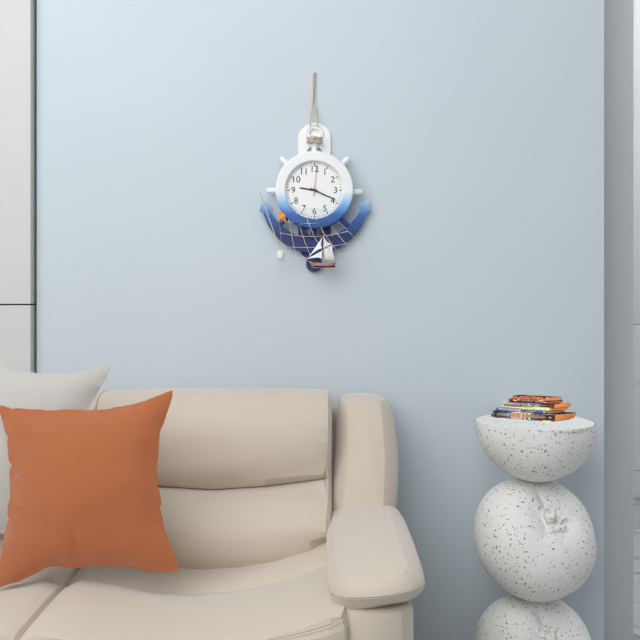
9:19
